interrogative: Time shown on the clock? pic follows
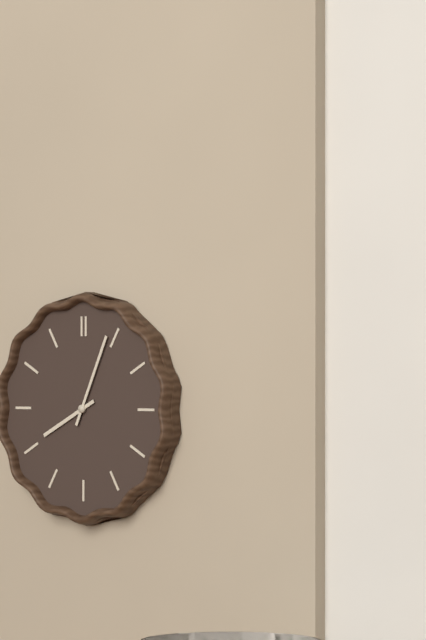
8:04
